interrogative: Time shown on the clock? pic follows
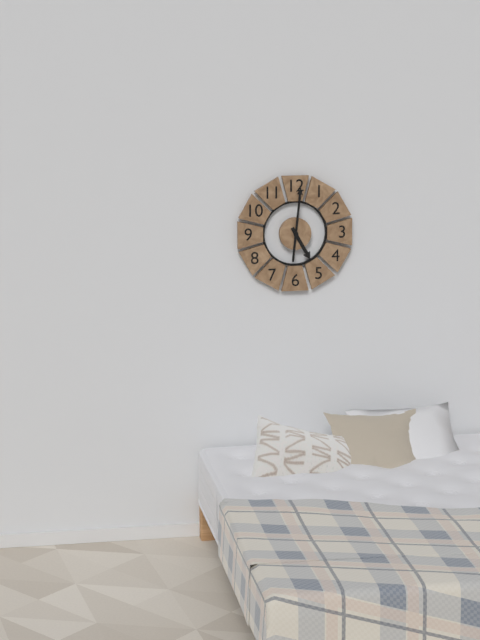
5:01
